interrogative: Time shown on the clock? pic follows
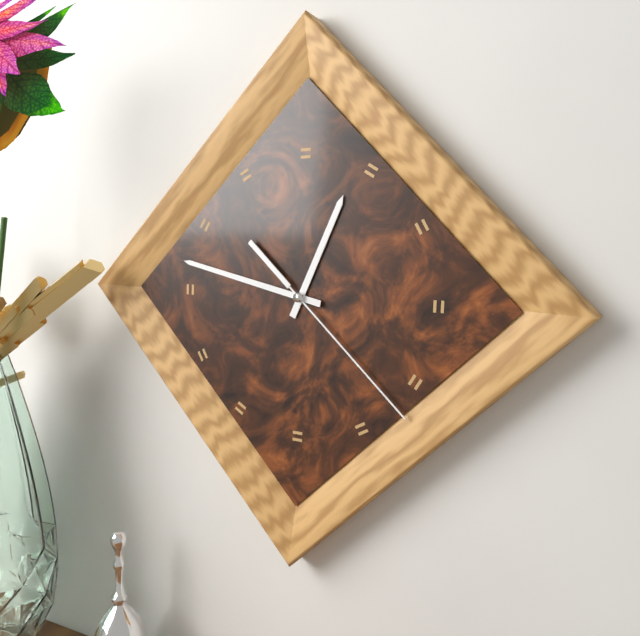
12:47:22
